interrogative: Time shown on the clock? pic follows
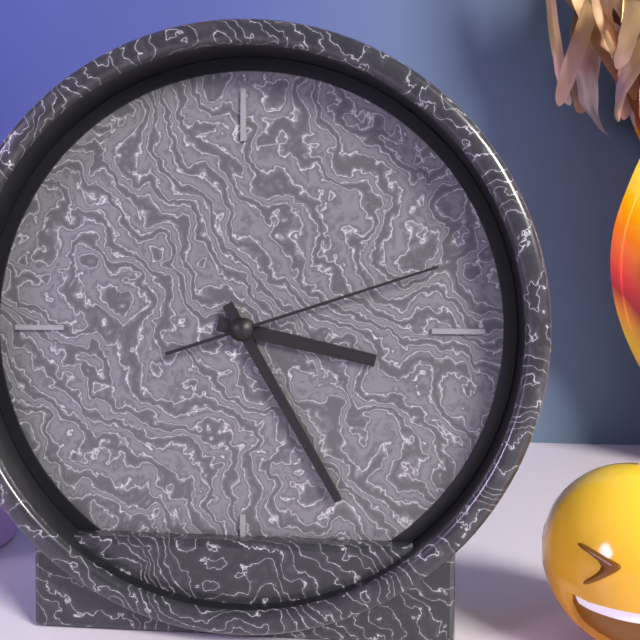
3:25:12
